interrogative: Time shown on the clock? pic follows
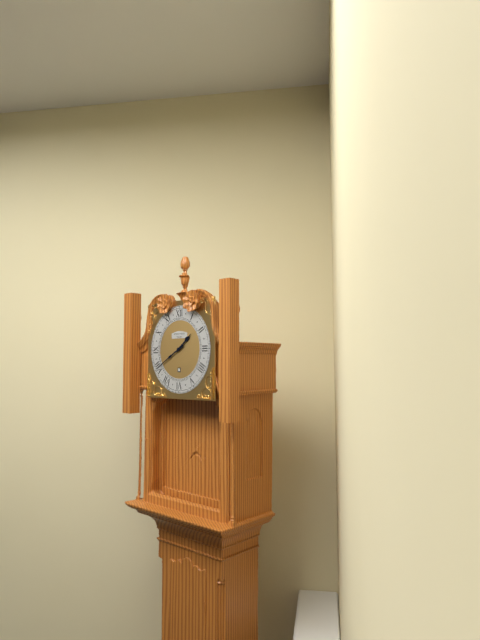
1:40
